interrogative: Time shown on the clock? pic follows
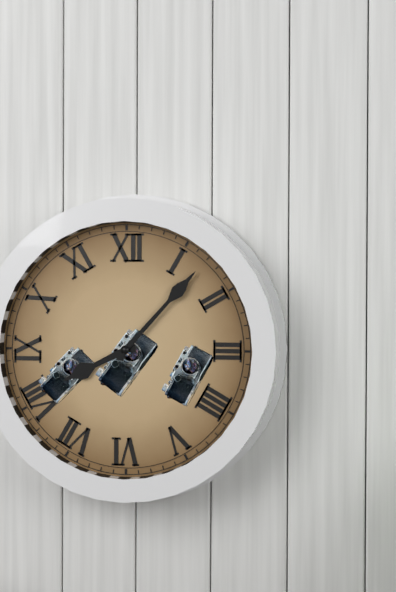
8:07
